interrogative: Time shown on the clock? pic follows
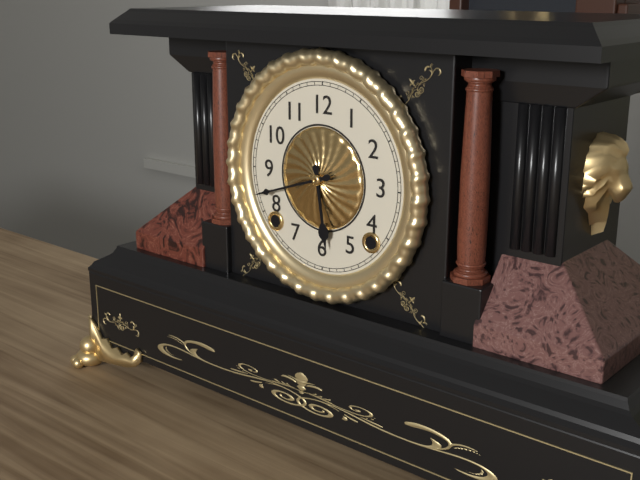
5:42
